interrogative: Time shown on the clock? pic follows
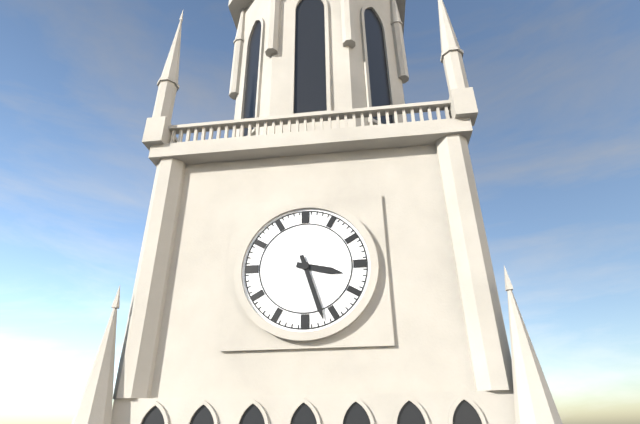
3:27
